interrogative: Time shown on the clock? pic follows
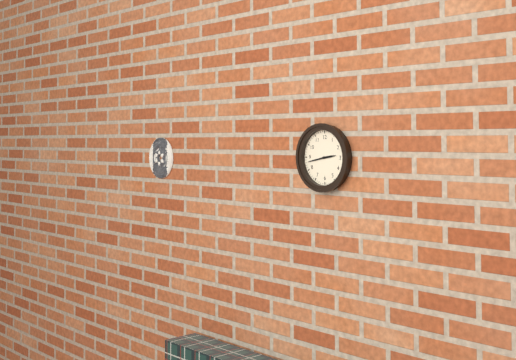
2:43
